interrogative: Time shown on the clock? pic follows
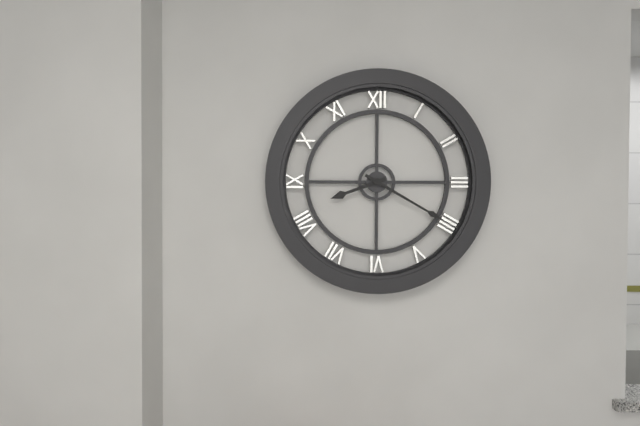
8:20
